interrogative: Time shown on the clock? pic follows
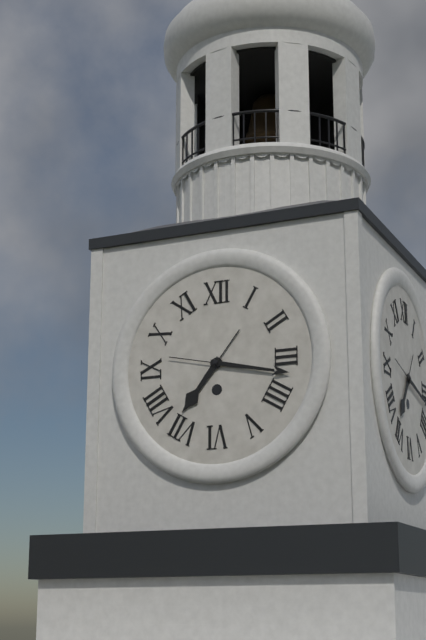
7:17
